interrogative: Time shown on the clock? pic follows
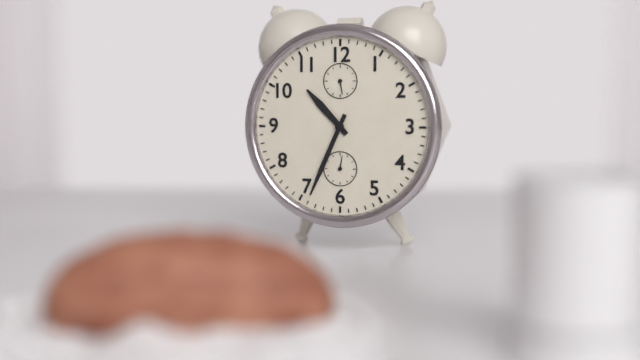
10:34
